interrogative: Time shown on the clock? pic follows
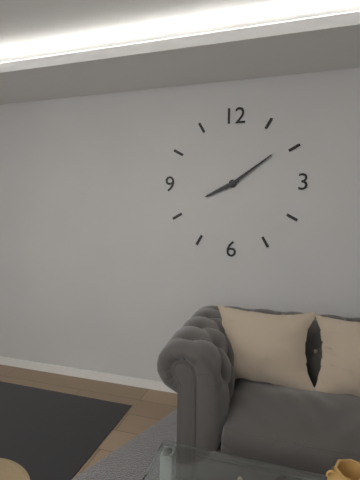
8:09
